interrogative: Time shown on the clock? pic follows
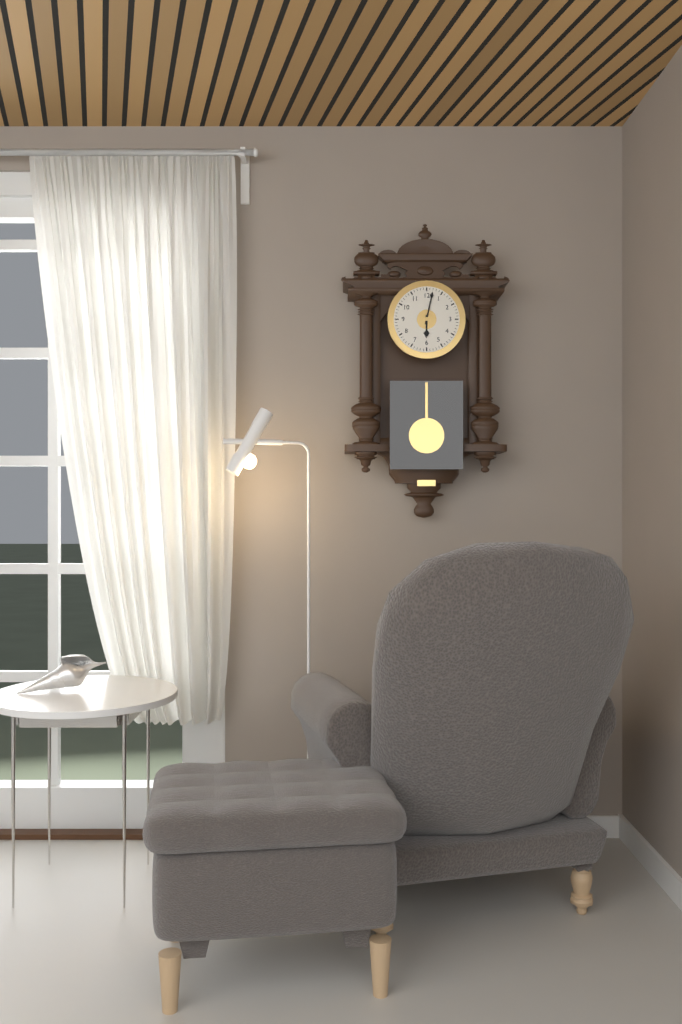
6:02
